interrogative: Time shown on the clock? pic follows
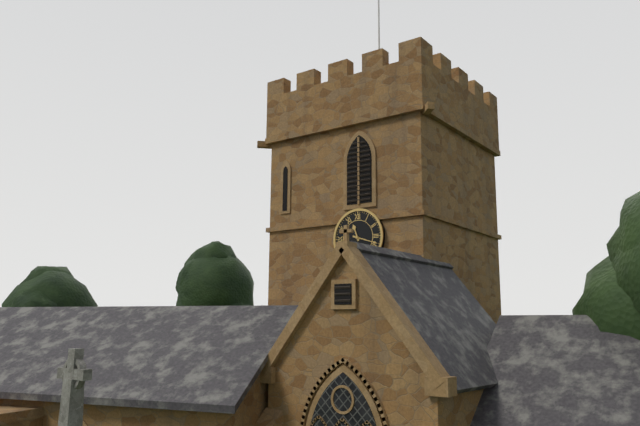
11:18
